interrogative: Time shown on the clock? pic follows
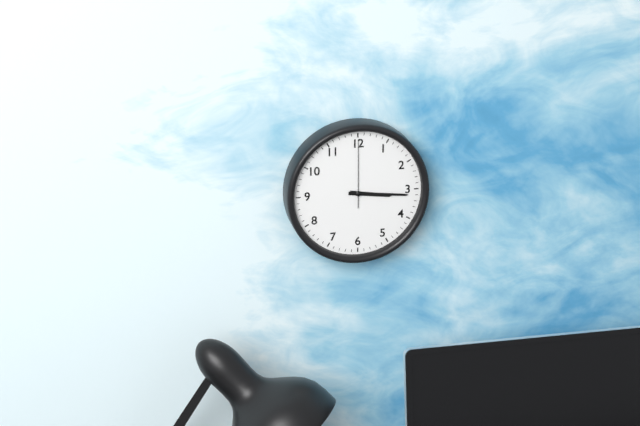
3:16:00
